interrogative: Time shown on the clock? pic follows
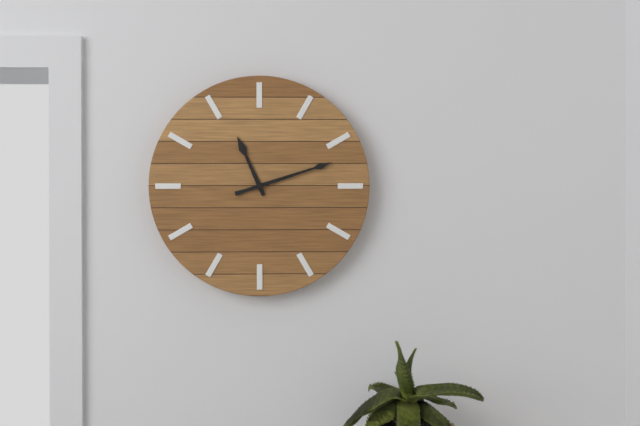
11:12
